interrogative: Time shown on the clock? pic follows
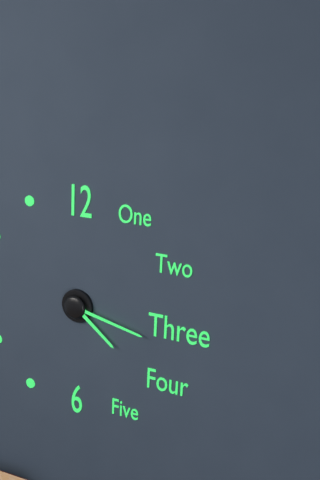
4:17
